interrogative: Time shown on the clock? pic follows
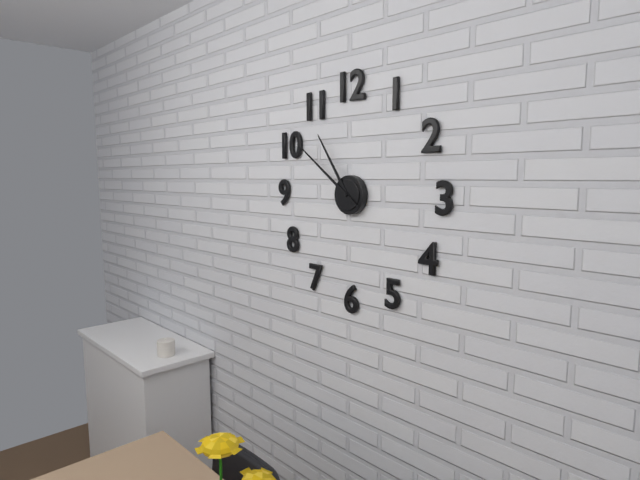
10:51
